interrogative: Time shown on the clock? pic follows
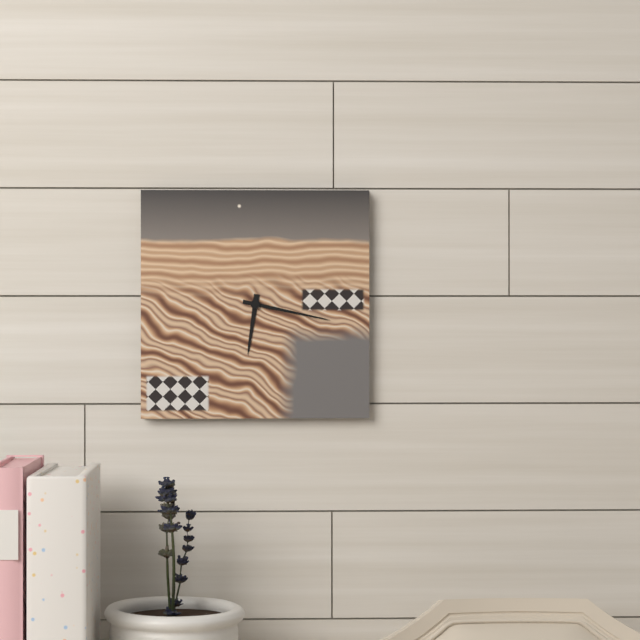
6:17
